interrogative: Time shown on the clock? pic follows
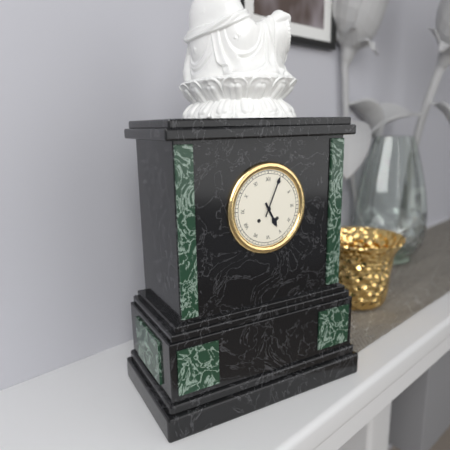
5:04
